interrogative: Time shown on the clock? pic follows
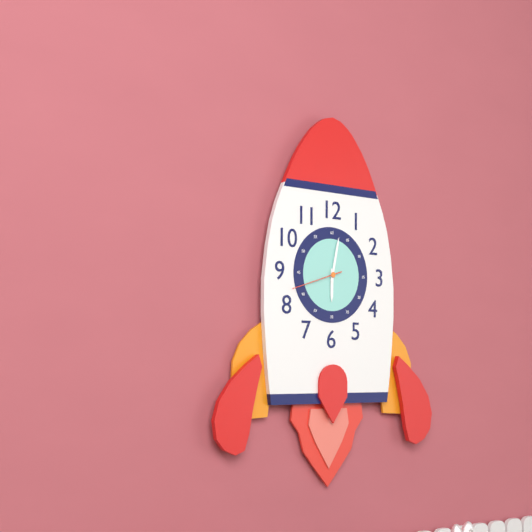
6:02:42
